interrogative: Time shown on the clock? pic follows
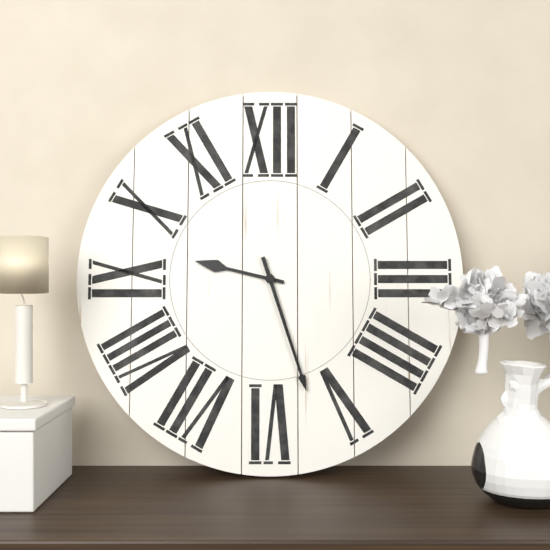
9:27
